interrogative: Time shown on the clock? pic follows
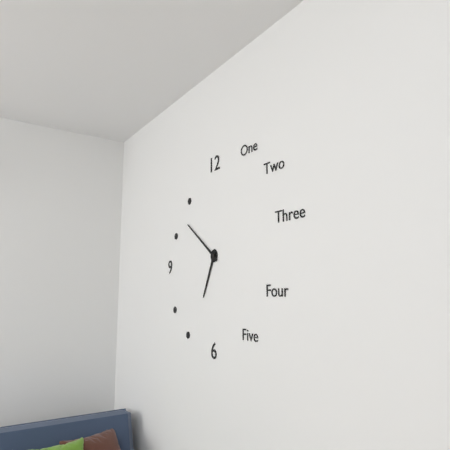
6:51
